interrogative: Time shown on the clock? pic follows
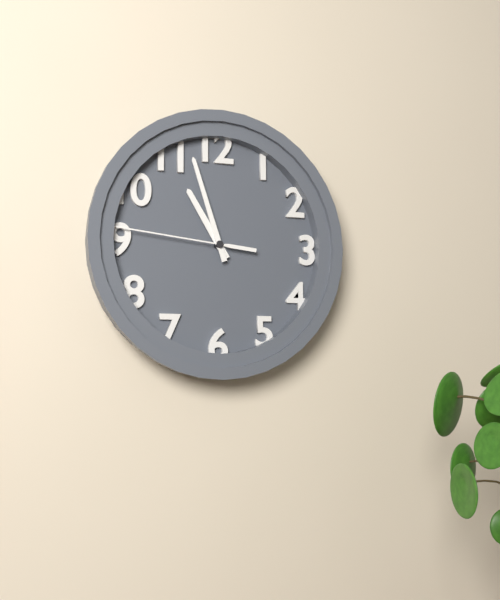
10:57:46
